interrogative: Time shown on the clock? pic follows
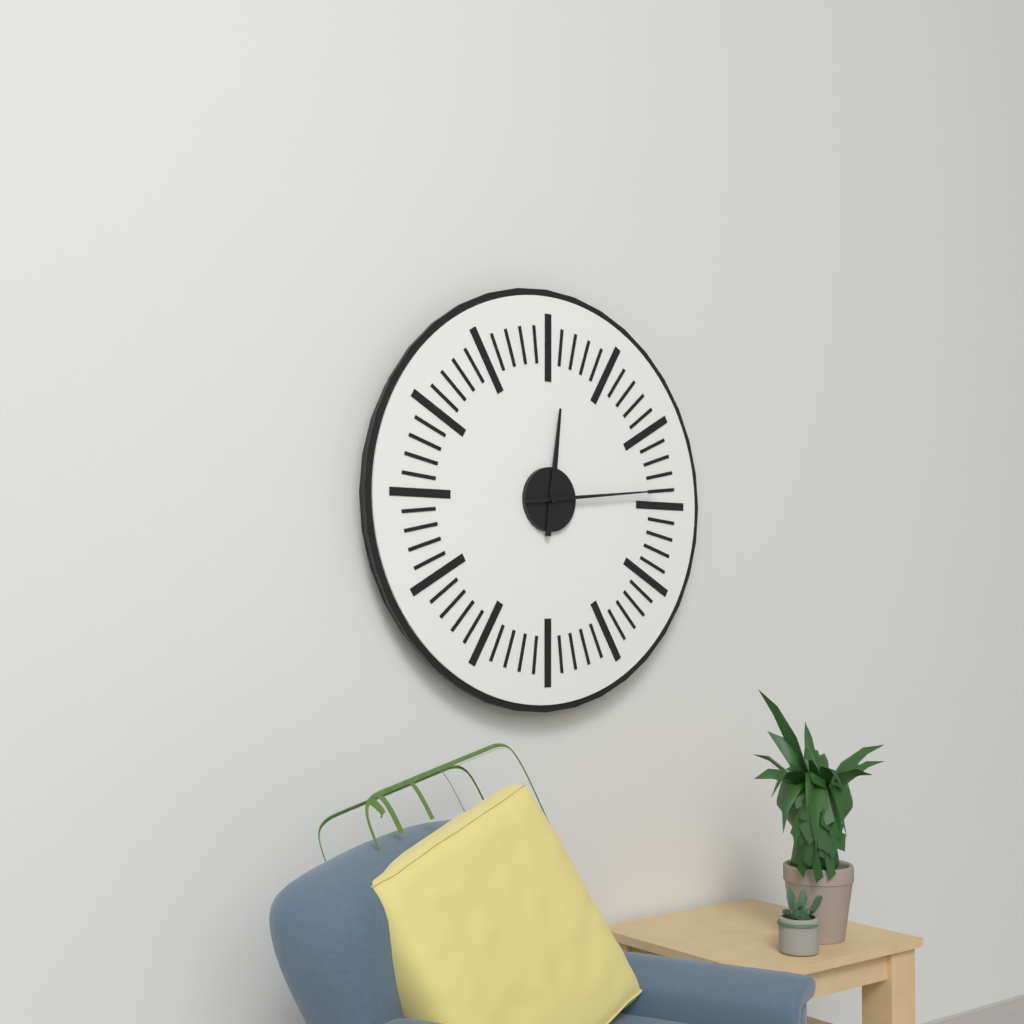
12:14
